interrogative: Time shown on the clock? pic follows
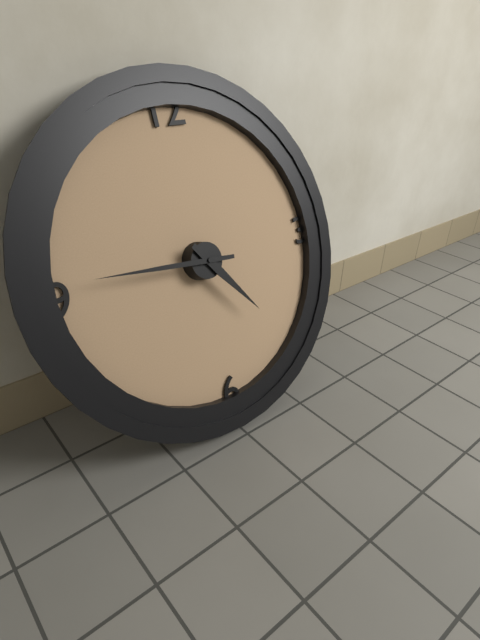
4:46
